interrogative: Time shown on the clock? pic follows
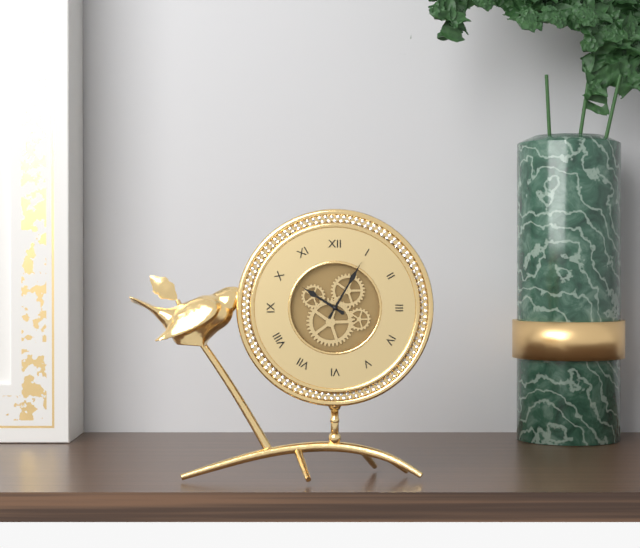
10:05
